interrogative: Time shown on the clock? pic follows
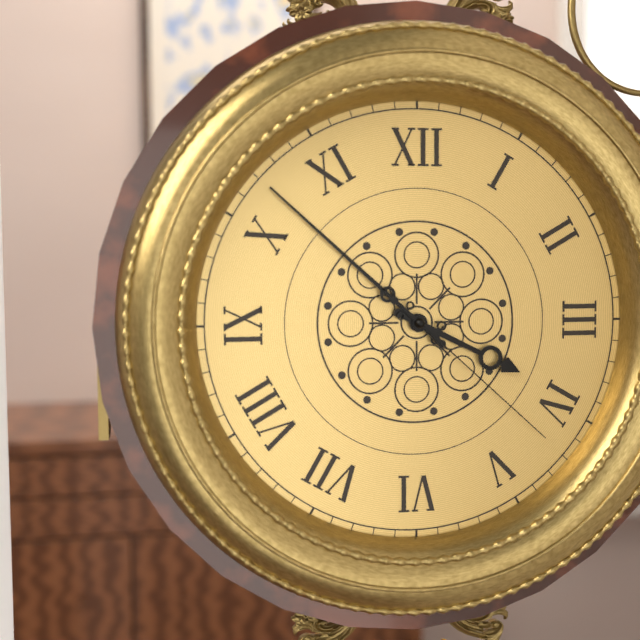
3:52:22
